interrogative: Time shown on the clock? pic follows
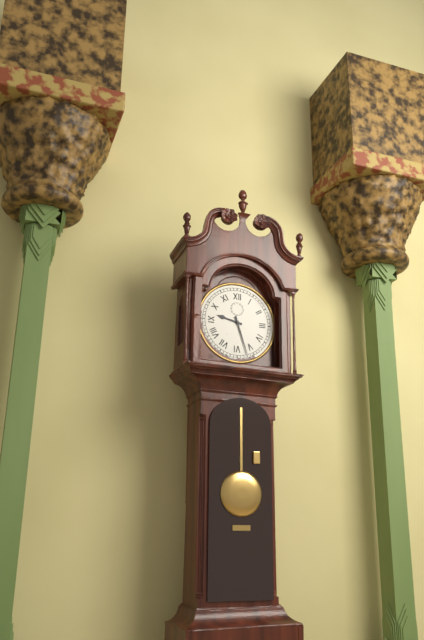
9:27
